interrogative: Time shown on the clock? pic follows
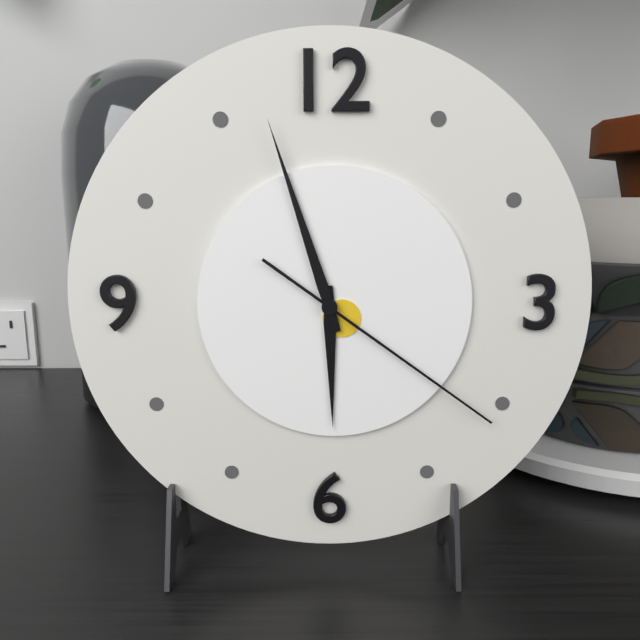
5:57:21
